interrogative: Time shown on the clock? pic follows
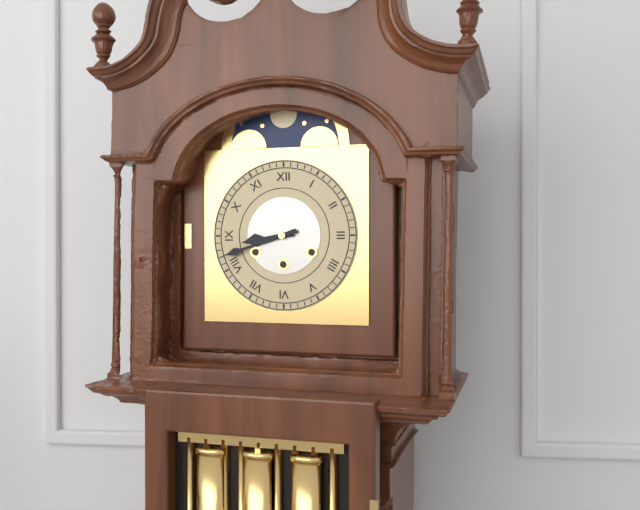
8:42
